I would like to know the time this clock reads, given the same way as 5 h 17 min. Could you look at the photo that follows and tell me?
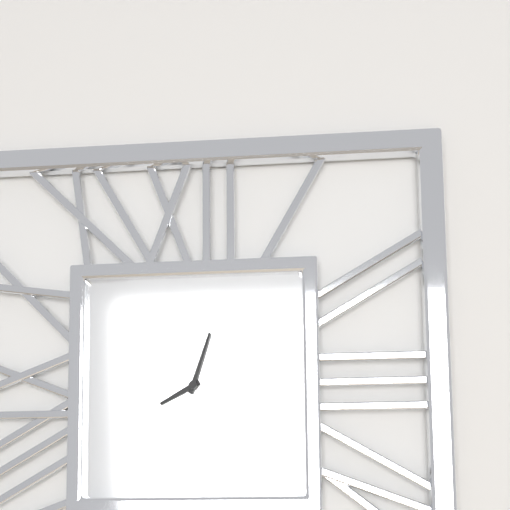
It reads 8 h 03 min
